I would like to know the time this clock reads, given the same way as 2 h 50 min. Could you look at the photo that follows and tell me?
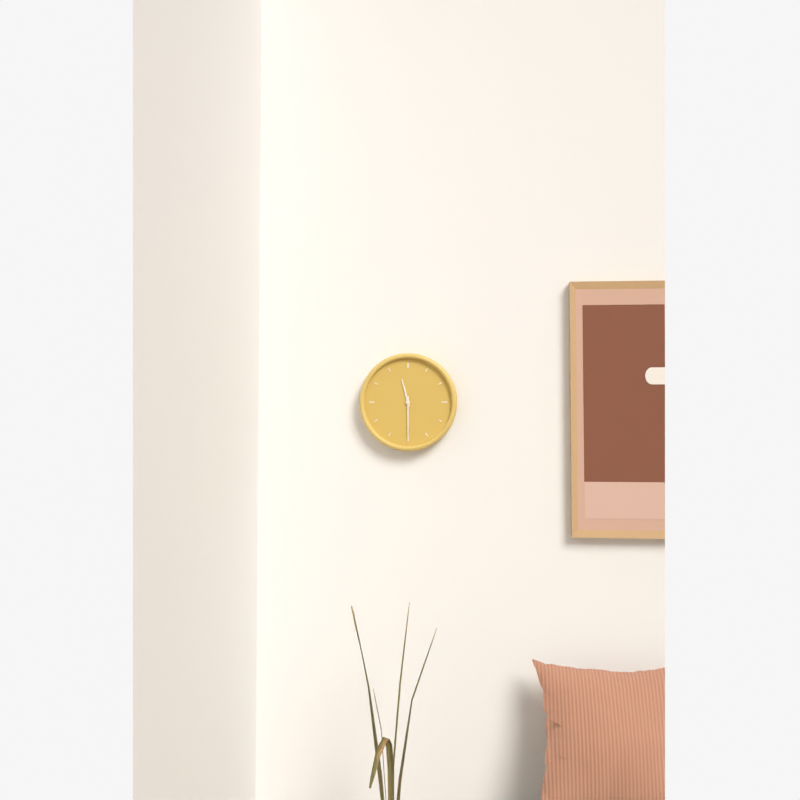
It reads 11 h 30 min
